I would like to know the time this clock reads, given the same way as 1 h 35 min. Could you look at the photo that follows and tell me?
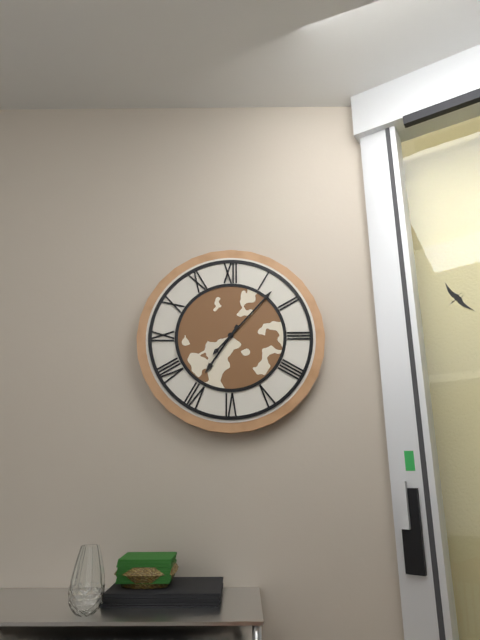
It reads 7 h 07 min
